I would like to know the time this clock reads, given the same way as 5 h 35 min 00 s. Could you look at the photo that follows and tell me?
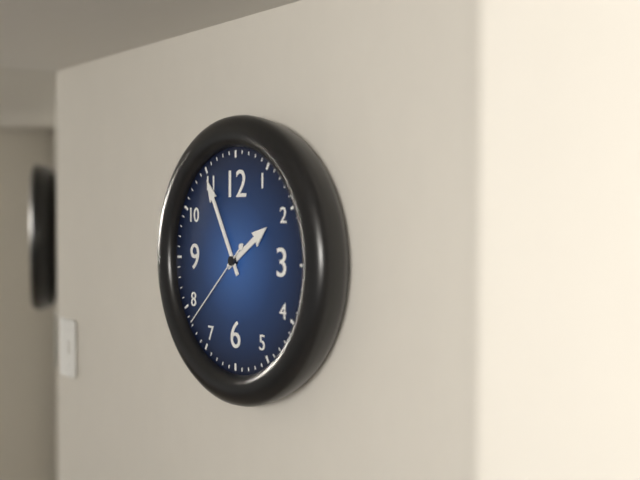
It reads 1 h 55 min 38 s
